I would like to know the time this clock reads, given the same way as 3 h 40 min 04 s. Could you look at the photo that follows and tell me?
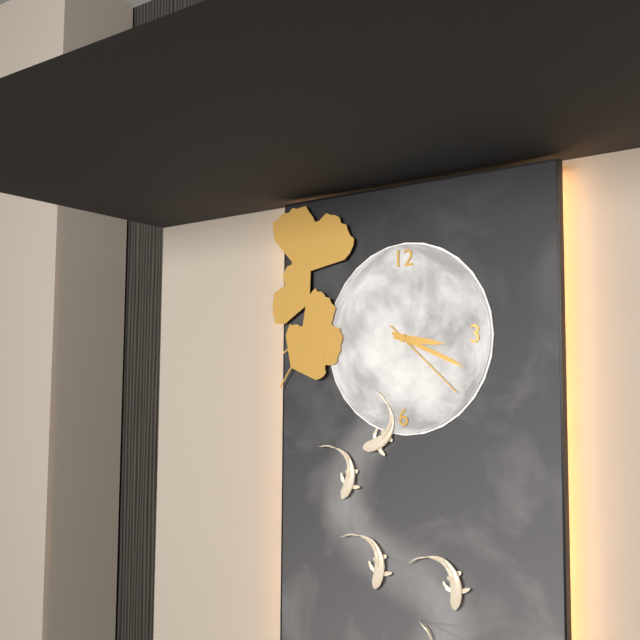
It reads 3 h 19 min 22 s
